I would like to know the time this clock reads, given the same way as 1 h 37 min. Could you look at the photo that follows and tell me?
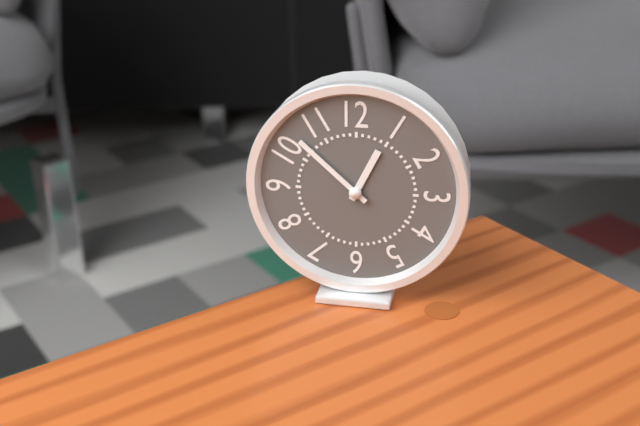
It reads 12 h 52 min
